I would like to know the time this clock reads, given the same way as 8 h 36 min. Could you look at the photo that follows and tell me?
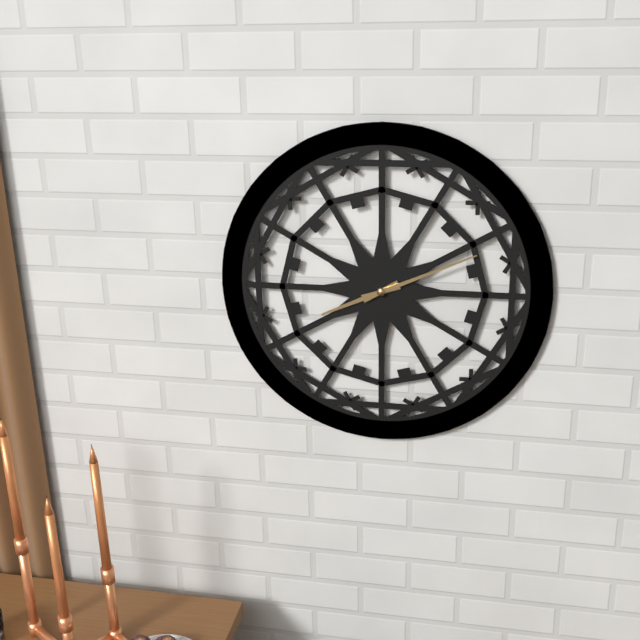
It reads 8 h 11 min
